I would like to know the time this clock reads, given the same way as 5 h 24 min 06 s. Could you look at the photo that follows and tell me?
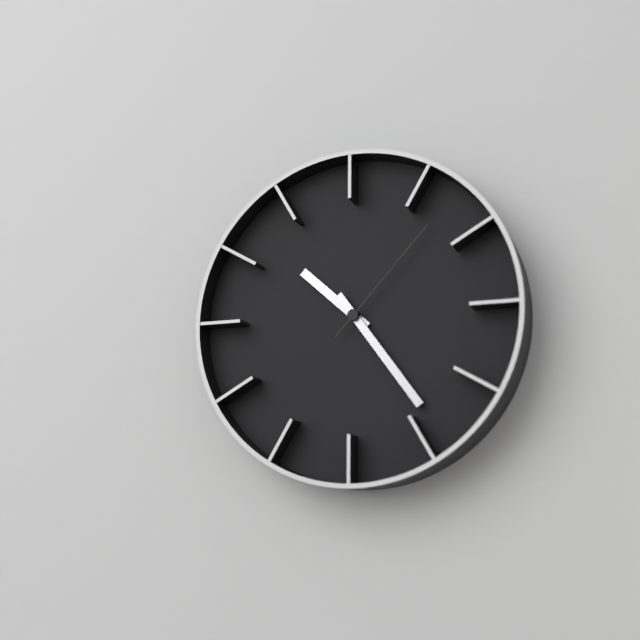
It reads 10 h 24 min 07 s
